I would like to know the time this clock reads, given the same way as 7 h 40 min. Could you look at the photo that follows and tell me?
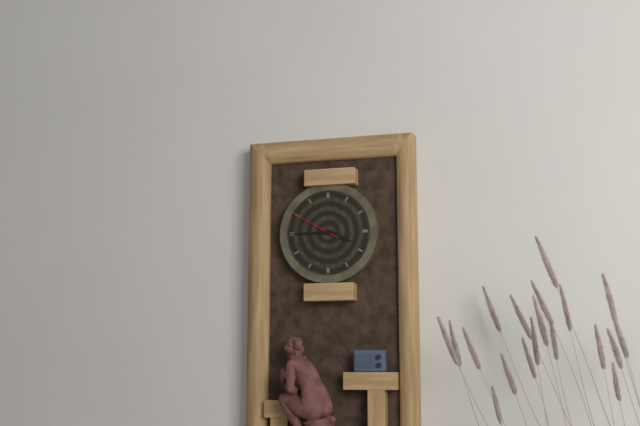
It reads 3 h 45 min
